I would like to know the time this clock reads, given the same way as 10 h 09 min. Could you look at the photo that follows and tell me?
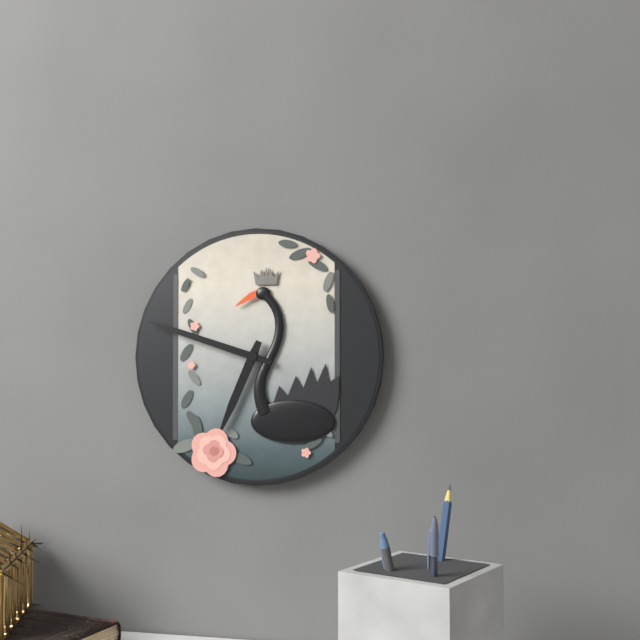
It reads 6 h 48 min
